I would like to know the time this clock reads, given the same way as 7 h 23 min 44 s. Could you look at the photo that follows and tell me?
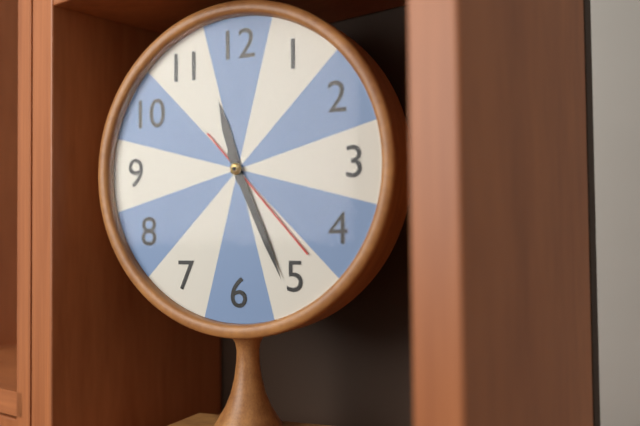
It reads 11 h 26 min 23 s
